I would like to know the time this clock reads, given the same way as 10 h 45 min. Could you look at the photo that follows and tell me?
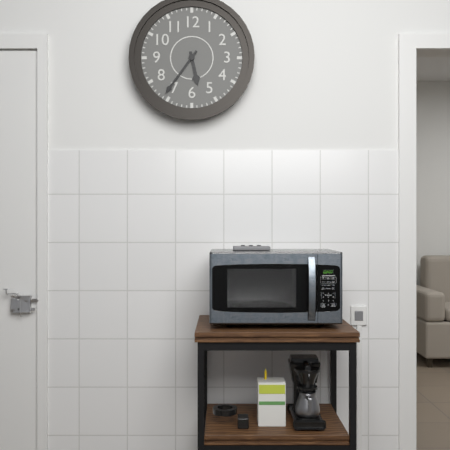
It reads 5 h 36 min
